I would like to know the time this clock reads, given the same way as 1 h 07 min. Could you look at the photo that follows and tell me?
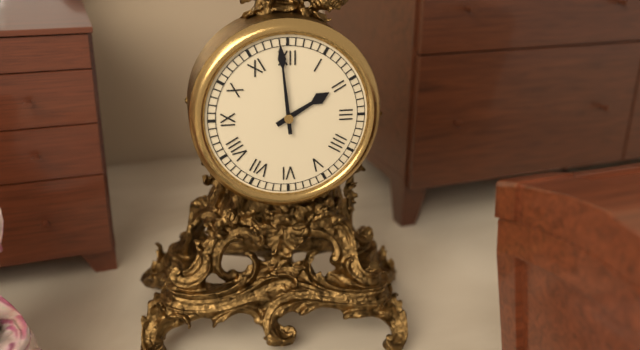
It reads 1 h 59 min
